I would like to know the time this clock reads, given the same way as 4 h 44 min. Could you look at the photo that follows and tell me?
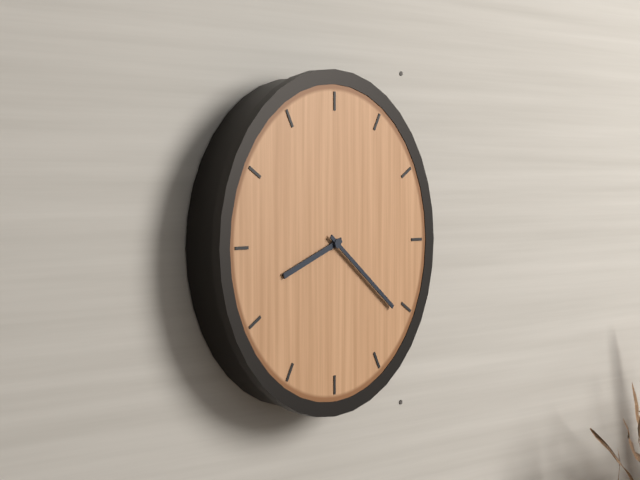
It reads 8 h 21 min
